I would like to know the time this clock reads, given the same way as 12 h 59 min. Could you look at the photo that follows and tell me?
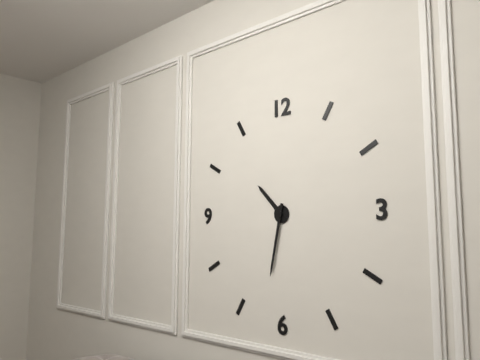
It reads 10 h 32 min
